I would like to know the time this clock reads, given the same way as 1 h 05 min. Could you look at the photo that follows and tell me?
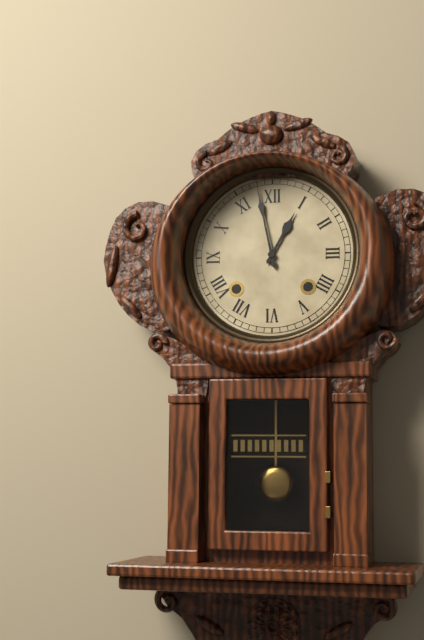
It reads 12 h 58 min
